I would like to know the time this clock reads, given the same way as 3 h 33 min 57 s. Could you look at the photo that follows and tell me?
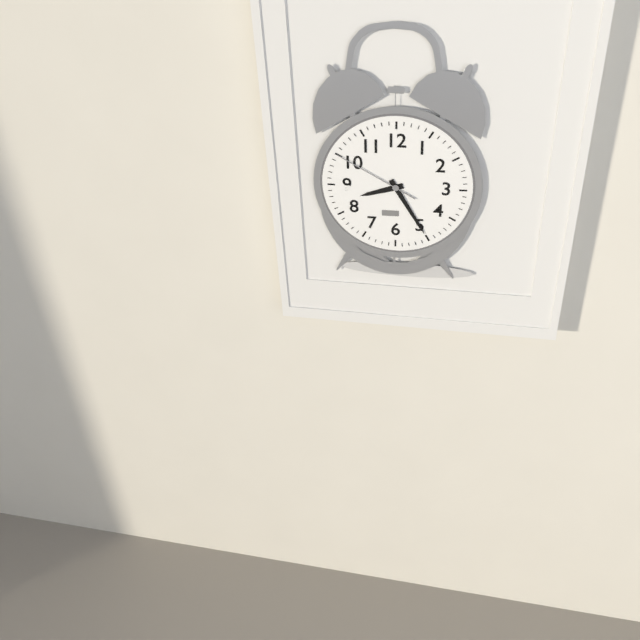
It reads 8 h 25 min 50 s
